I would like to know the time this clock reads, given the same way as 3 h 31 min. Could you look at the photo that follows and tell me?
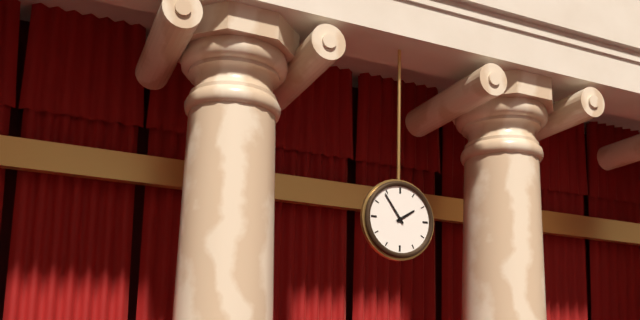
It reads 1 h 54 min
